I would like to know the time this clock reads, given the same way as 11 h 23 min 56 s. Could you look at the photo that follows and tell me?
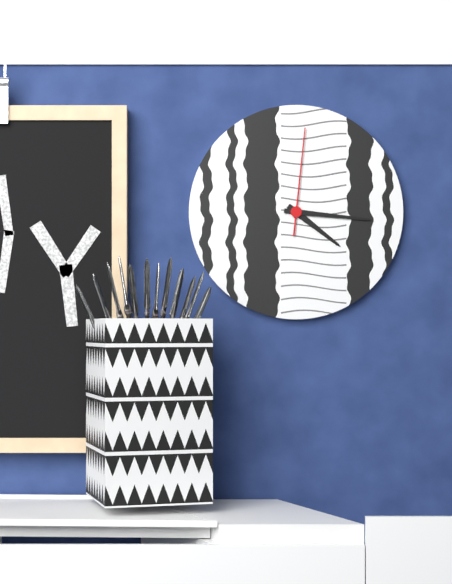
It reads 4 h 16 min 01 s
